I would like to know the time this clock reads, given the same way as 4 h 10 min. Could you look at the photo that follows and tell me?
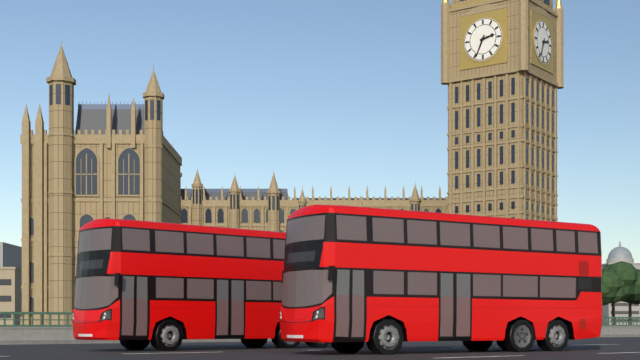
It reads 2 h 34 min
